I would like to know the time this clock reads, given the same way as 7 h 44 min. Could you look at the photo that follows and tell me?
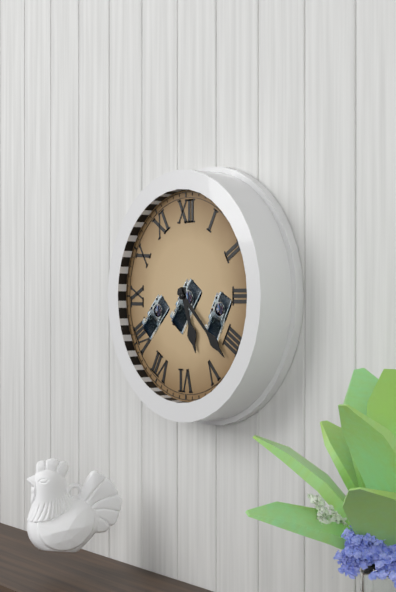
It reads 5 h 22 min
